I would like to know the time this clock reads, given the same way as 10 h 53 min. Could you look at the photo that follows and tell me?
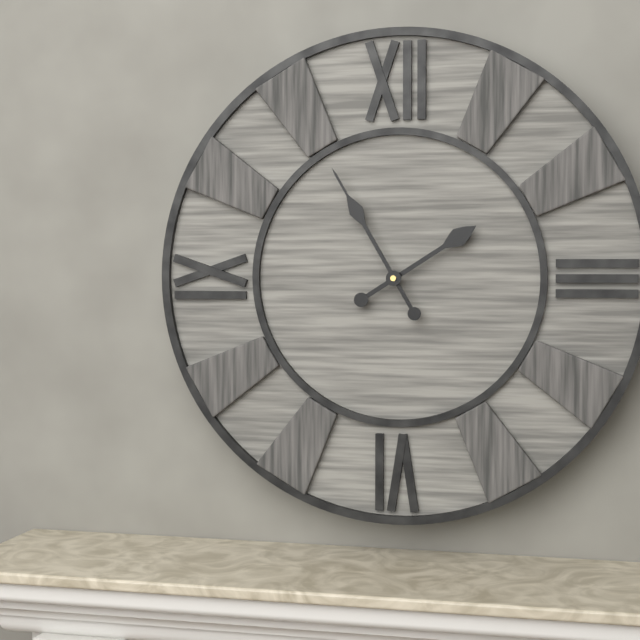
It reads 1 h 55 min
